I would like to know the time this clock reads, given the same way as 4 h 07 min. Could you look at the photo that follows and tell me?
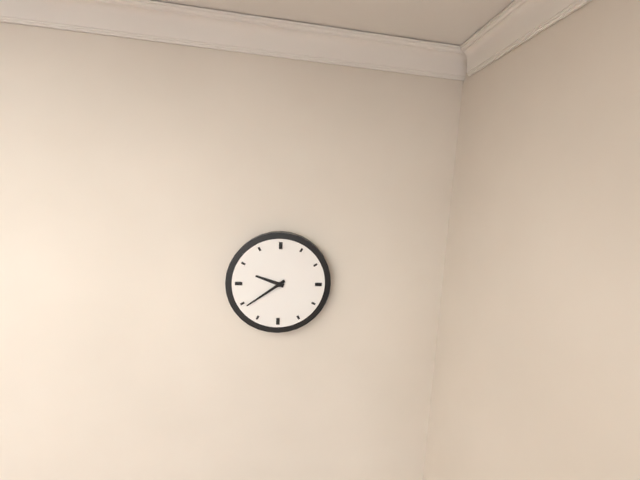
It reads 9 h 39 min
